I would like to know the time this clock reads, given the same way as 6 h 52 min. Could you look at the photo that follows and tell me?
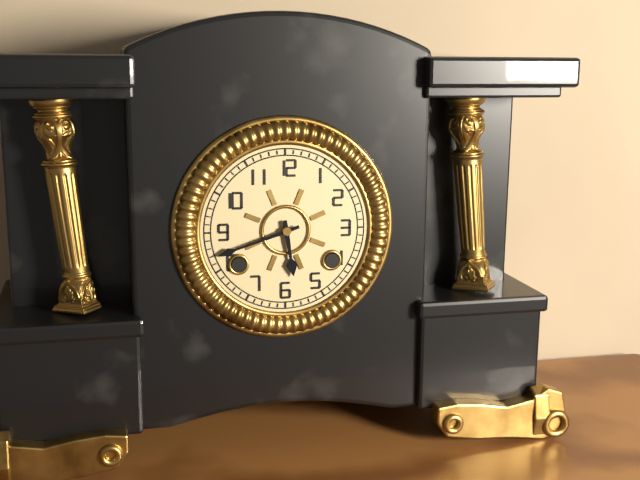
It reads 5 h 42 min
